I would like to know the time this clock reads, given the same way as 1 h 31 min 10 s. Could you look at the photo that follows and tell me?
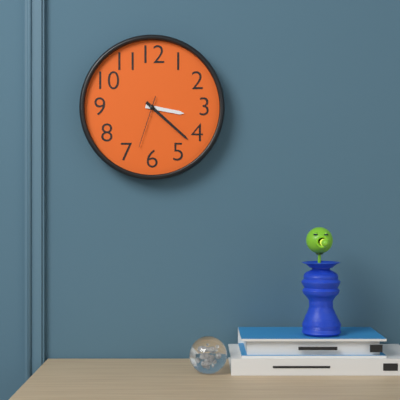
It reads 3 h 22 min 33 s
